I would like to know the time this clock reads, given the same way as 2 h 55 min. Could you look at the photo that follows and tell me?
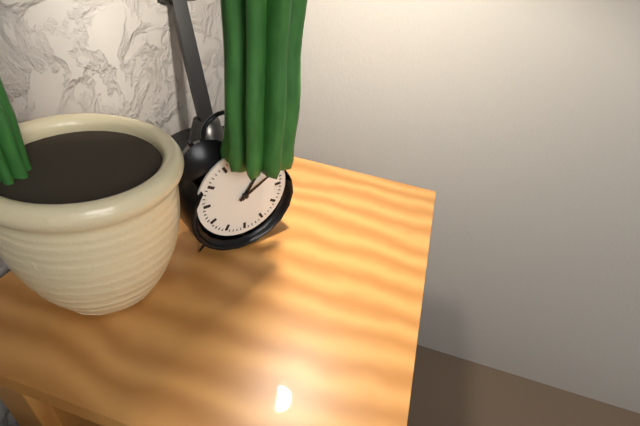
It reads 1 h 10 min
